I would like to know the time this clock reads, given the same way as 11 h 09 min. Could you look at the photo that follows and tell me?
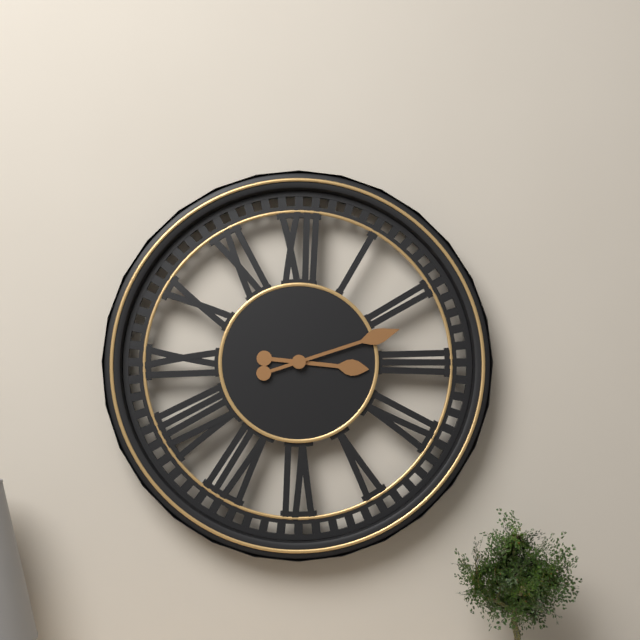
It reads 3 h 12 min
